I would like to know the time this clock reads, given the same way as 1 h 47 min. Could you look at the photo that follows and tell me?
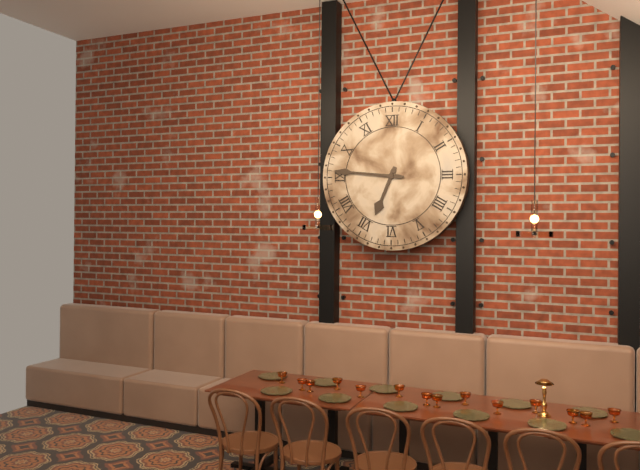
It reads 6 h 46 min
